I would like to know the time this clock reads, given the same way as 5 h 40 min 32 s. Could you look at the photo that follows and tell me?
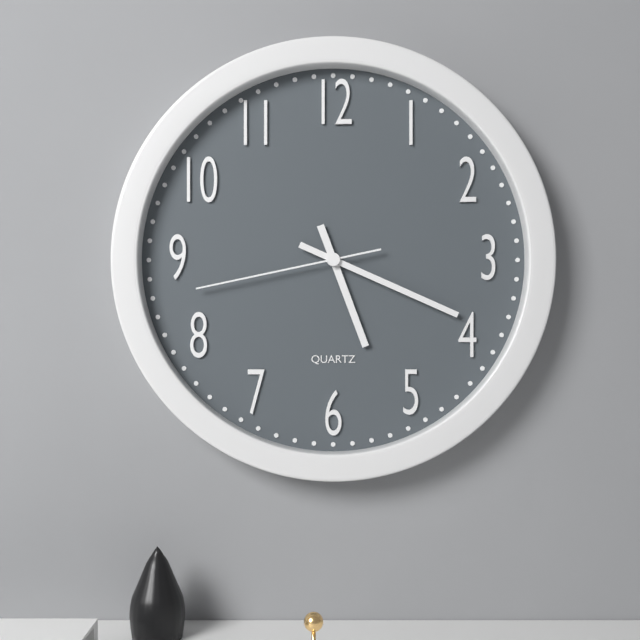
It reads 5 h 19 min 43 s
